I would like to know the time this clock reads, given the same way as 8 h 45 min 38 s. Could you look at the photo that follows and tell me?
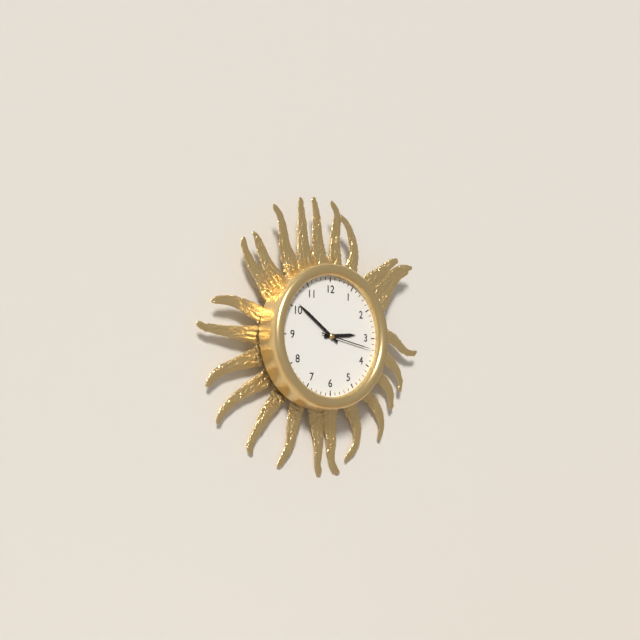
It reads 2 h 51 min 17 s
